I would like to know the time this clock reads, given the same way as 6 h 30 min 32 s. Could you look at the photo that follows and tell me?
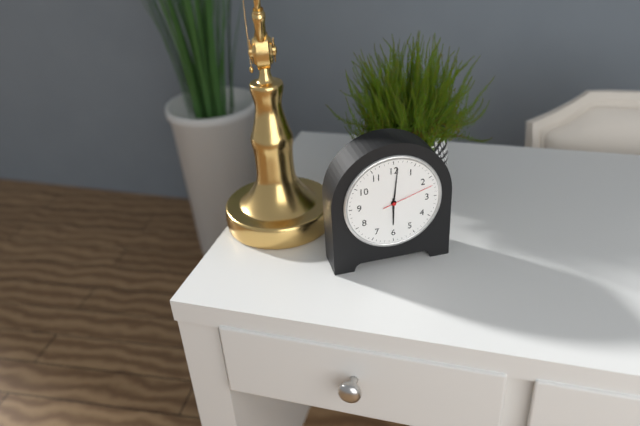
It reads 6 h 01 min 12 s
